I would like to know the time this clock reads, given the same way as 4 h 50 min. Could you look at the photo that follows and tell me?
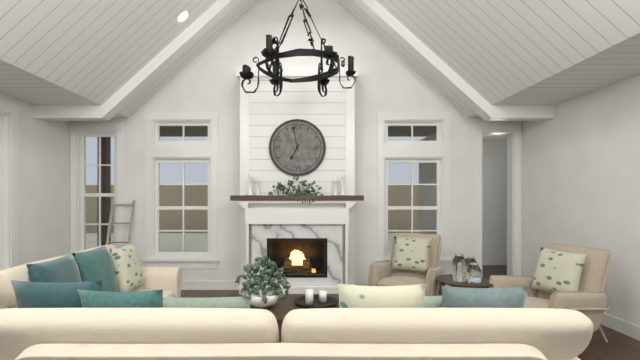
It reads 6 h 58 min
